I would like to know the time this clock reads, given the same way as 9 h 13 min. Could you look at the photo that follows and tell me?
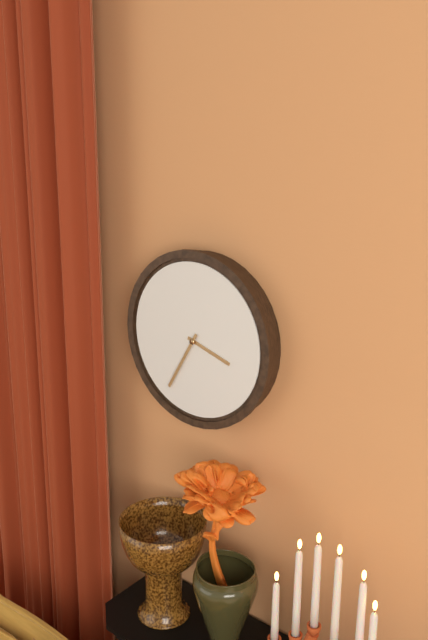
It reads 3 h 35 min
